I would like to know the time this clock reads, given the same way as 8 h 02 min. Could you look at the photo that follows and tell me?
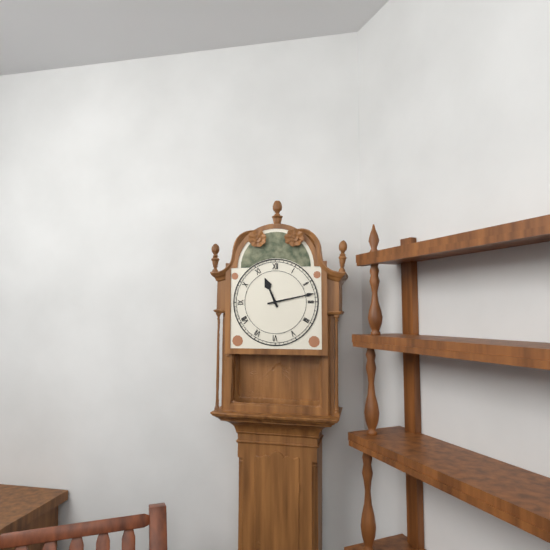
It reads 11 h 13 min
